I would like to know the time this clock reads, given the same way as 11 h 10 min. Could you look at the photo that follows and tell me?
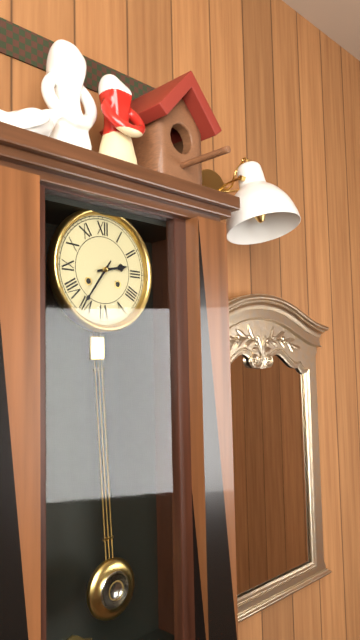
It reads 2 h 36 min
